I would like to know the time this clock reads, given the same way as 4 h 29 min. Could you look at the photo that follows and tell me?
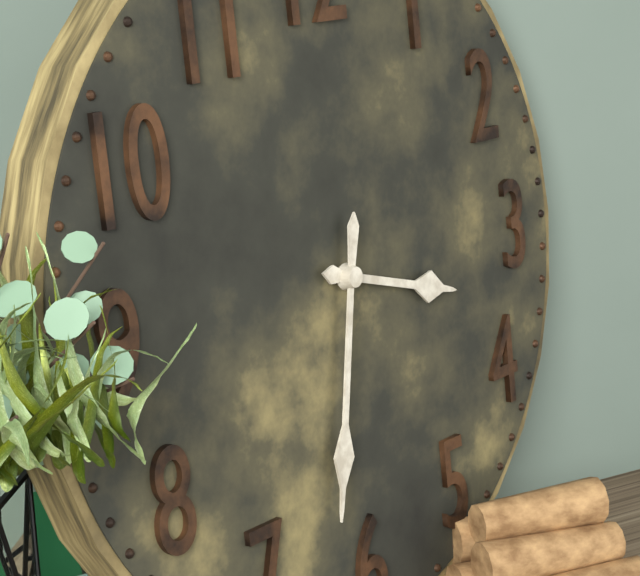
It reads 3 h 32 min
